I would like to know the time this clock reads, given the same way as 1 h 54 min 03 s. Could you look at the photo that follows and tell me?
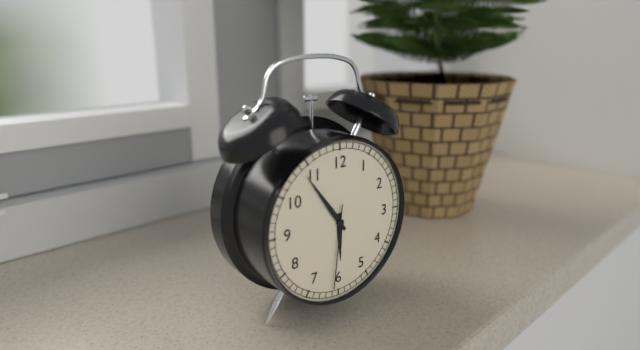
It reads 5 h 54 min 31 s
